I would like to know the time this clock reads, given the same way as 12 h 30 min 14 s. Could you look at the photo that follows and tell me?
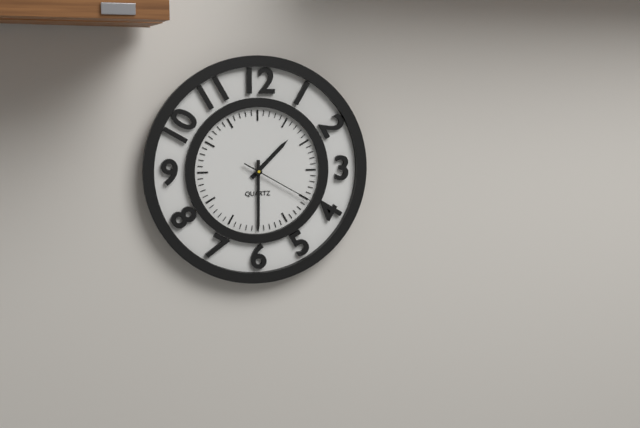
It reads 1 h 30 min 20 s
